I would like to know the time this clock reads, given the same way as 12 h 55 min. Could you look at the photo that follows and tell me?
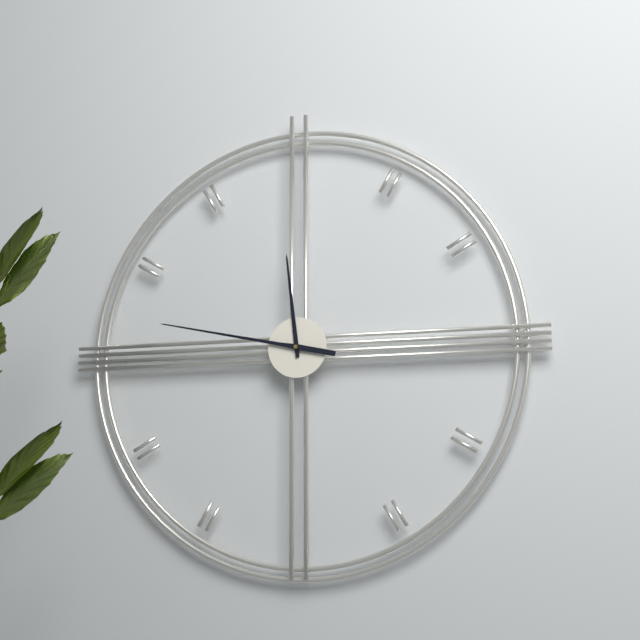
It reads 11 h 47 min
